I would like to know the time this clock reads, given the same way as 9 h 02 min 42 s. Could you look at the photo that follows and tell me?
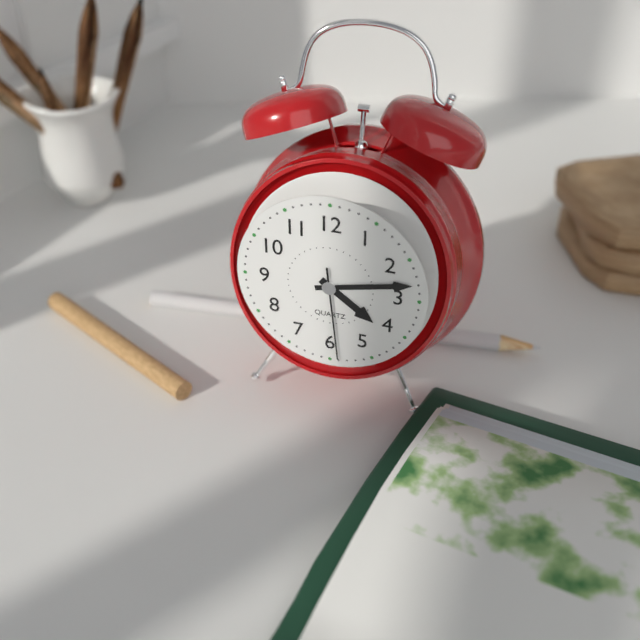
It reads 4 h 13 min 29 s
